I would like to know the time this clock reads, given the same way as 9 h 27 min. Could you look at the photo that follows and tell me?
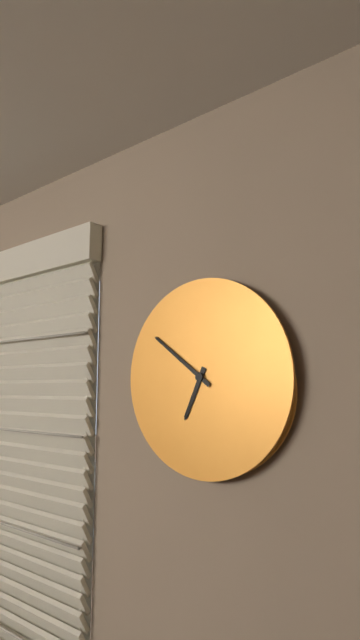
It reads 6 h 51 min
